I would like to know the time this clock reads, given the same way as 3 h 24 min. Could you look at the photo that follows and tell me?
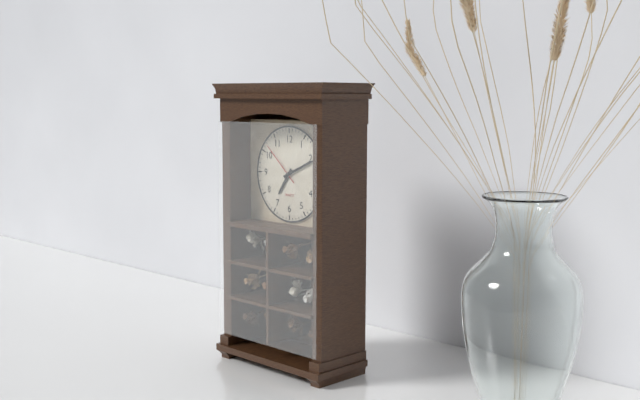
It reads 7 h 11 min
